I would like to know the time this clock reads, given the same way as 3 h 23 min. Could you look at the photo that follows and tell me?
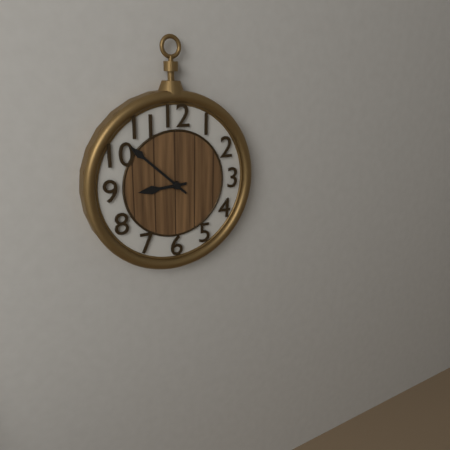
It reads 8 h 52 min
